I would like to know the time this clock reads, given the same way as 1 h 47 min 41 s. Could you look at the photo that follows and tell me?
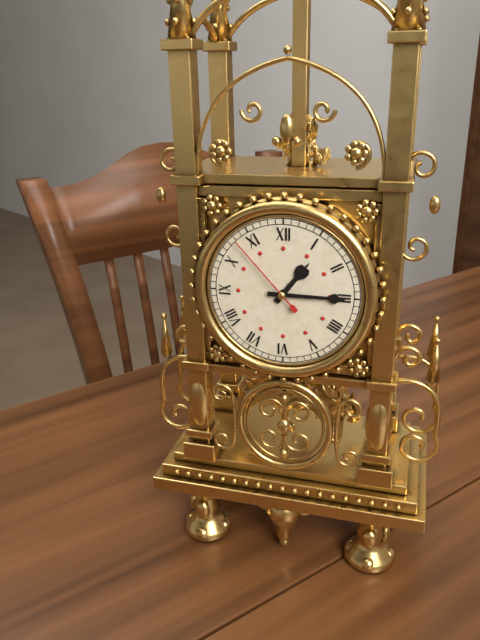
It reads 1 h 15 min 53 s
